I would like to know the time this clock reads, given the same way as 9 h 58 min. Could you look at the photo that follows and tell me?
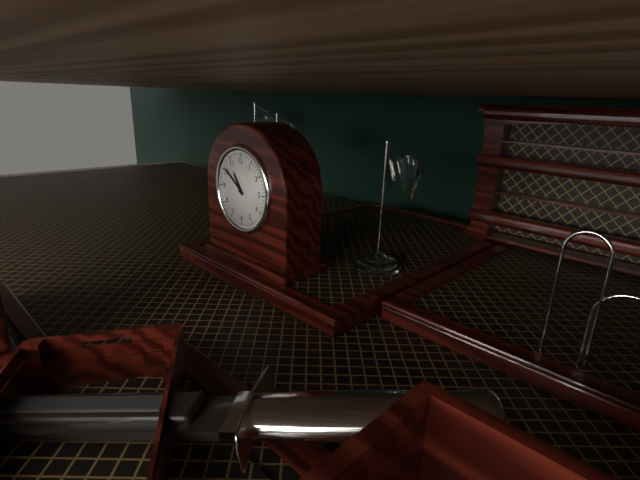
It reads 10 h 51 min
